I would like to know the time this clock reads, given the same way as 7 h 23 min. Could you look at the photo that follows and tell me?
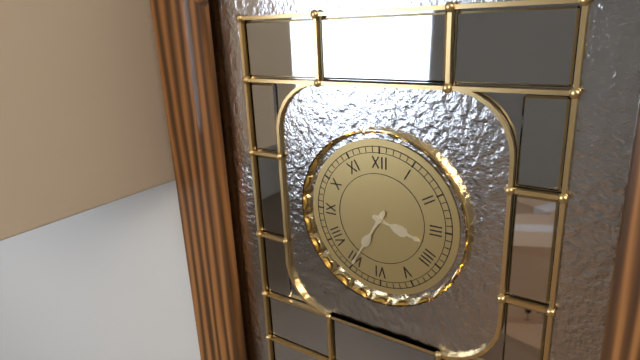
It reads 3 h 35 min
